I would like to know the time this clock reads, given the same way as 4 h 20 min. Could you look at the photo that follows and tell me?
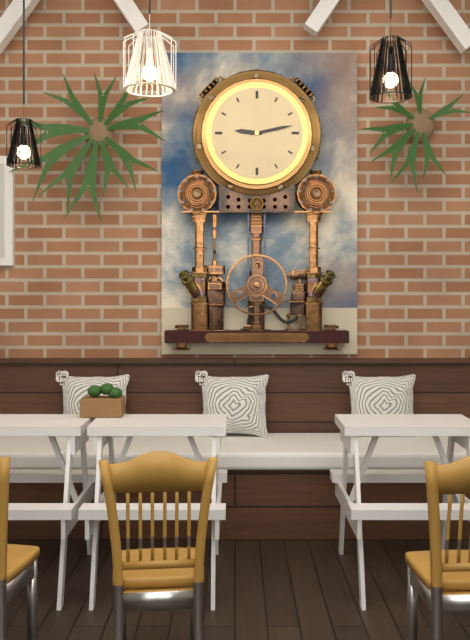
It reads 9 h 13 min
